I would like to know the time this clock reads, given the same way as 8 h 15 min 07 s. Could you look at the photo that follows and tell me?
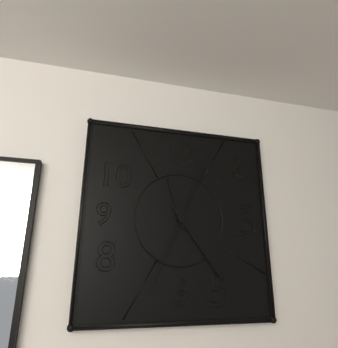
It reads 11 h 24 min 34 s
